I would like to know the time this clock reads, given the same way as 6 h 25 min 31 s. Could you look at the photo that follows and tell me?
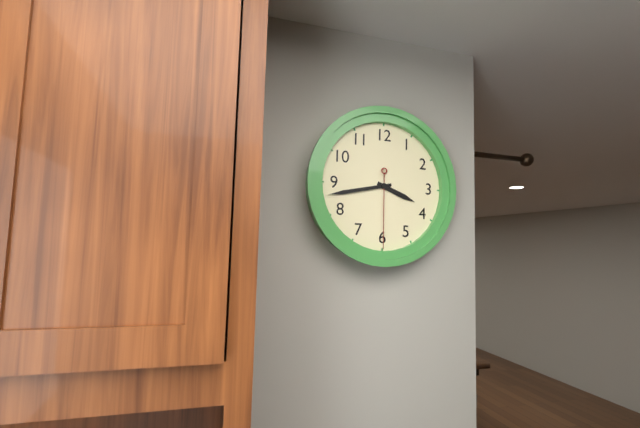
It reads 3 h 43 min 30 s
